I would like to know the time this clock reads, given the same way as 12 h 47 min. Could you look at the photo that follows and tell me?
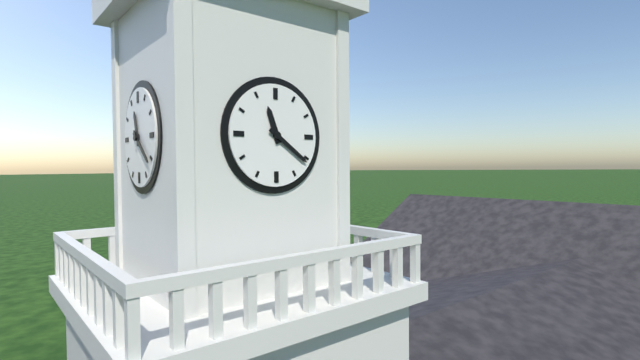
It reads 11 h 21 min
